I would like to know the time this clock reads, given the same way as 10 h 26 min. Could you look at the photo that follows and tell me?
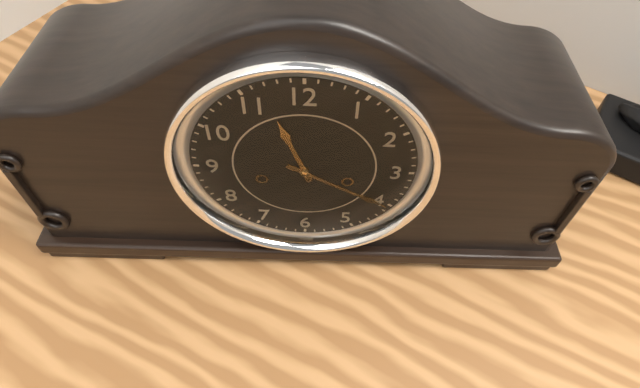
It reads 11 h 20 min
